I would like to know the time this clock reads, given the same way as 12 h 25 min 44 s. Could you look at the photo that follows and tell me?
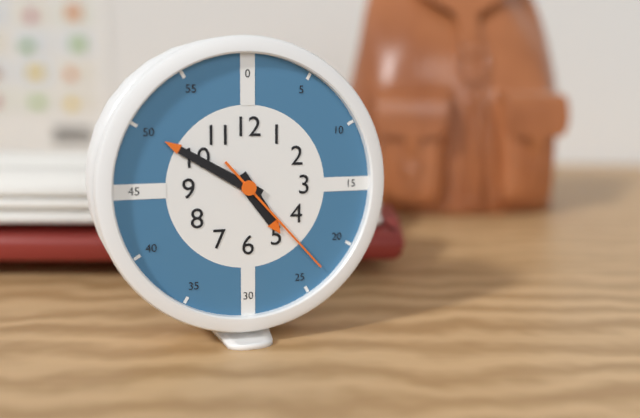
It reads 4 h 50 min 23 s
